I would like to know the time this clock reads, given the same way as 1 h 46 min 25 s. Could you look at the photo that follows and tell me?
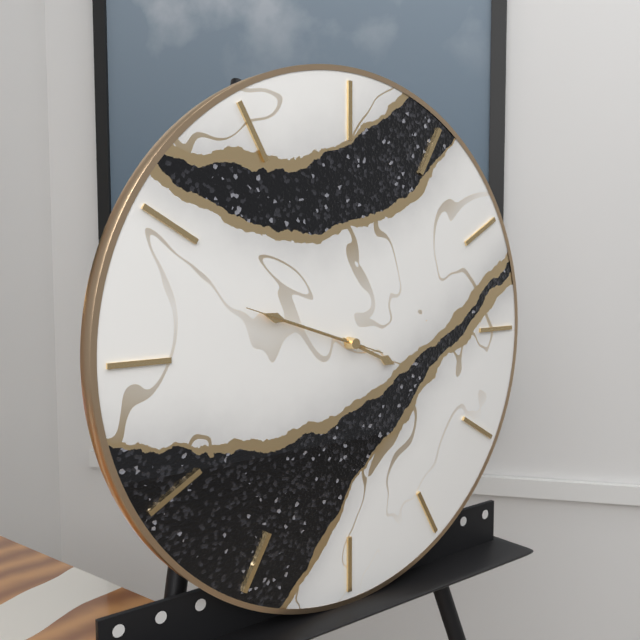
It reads 3 h 48 min 48 s
